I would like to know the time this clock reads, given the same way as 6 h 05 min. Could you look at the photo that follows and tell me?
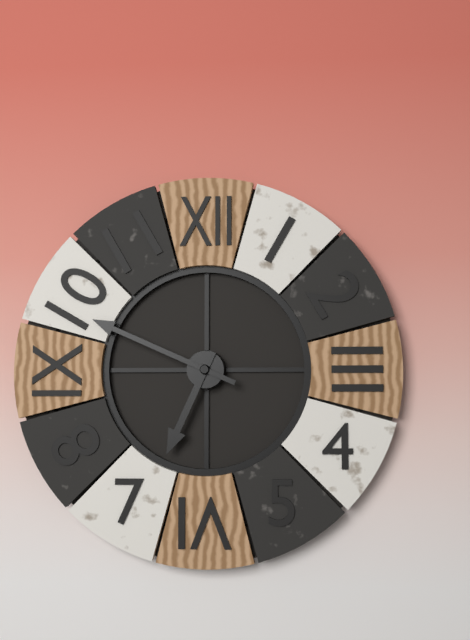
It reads 6 h 49 min
